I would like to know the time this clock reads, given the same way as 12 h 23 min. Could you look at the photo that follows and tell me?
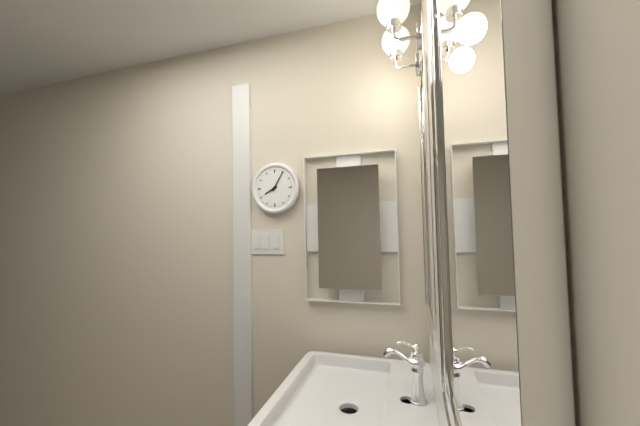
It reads 8 h 05 min
